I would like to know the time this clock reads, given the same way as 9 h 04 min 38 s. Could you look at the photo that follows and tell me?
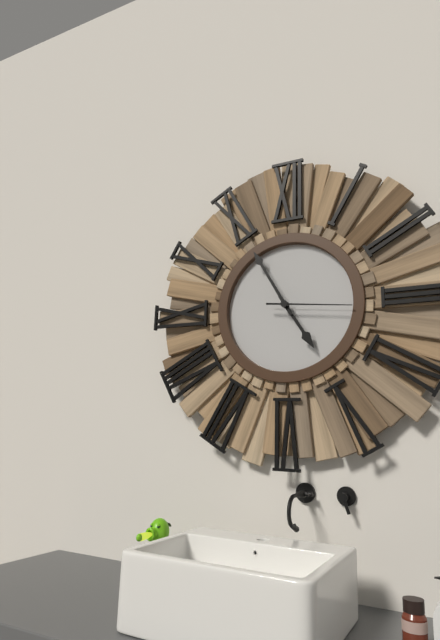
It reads 4 h 55 min 16 s
